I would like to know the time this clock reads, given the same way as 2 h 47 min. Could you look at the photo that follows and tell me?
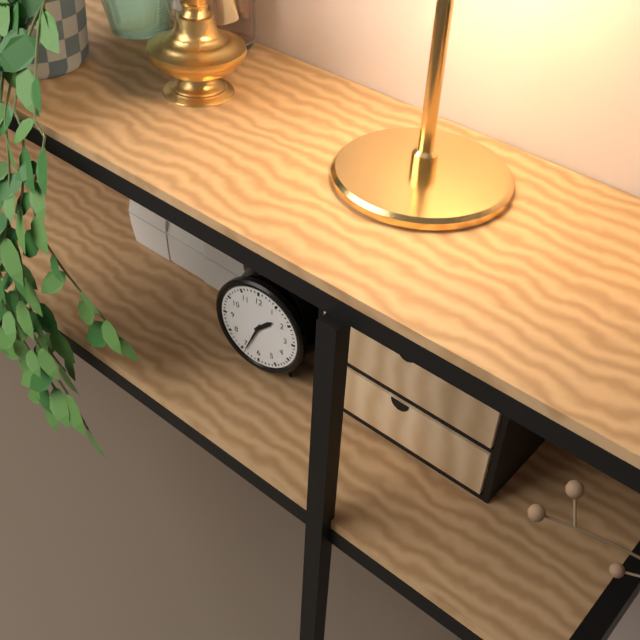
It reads 1 h 34 min
